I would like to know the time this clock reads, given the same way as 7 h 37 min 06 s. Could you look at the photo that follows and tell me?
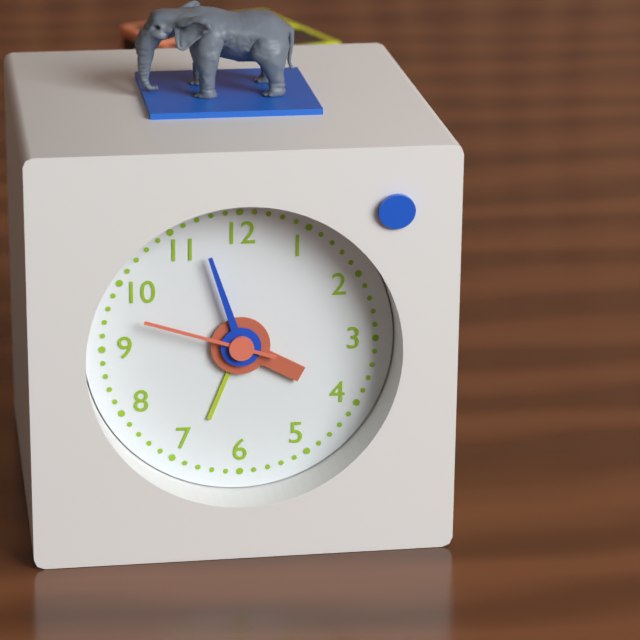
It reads 3 h 57 min 48 s
